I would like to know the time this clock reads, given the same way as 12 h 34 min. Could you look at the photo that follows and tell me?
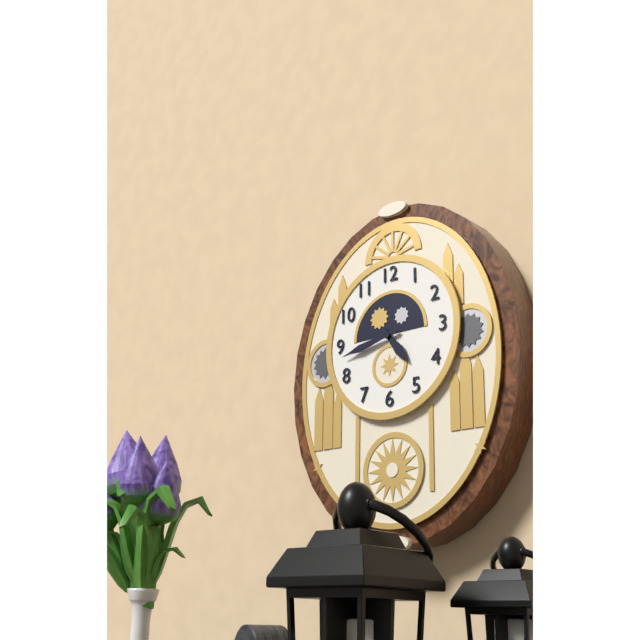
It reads 4 h 43 min
